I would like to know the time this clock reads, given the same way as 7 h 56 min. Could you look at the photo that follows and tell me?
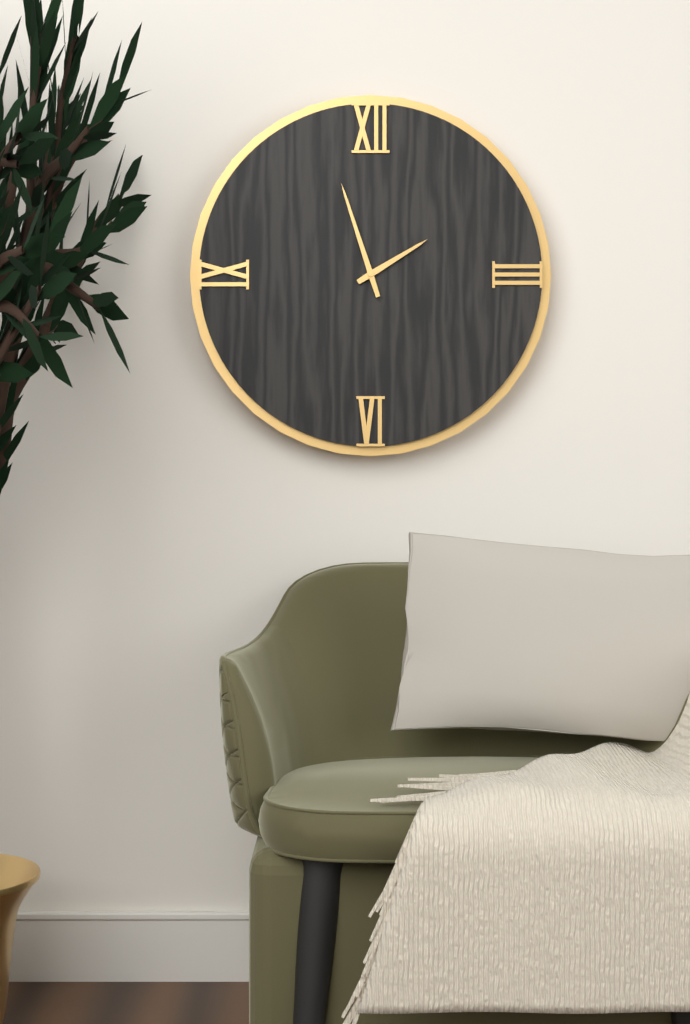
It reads 1 h 57 min
